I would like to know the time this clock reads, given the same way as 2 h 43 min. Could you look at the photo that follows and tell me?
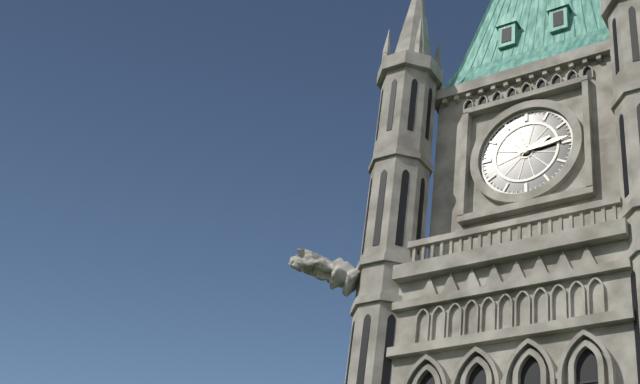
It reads 2 h 14 min
